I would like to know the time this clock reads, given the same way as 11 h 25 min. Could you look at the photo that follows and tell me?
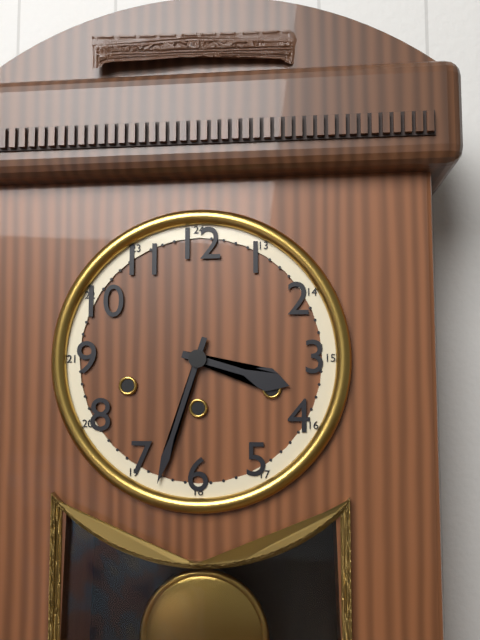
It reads 3 h 33 min
